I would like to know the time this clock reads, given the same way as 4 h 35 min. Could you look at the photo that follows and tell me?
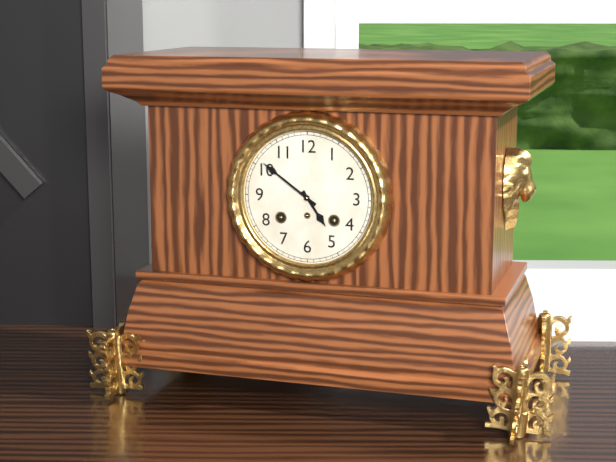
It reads 4 h 51 min
